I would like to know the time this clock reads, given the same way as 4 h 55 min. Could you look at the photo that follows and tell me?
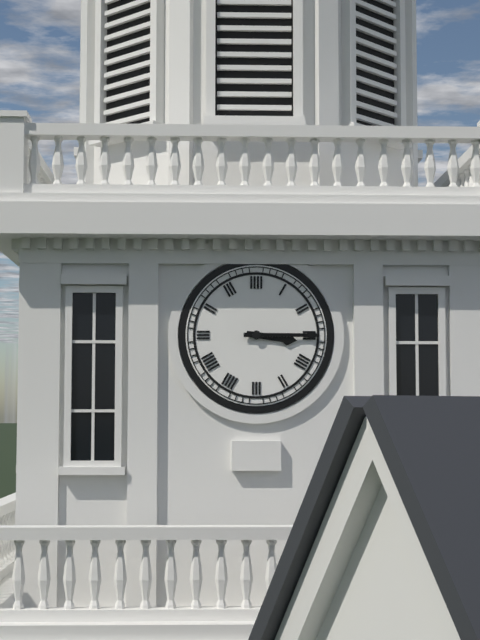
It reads 3 h 15 min
